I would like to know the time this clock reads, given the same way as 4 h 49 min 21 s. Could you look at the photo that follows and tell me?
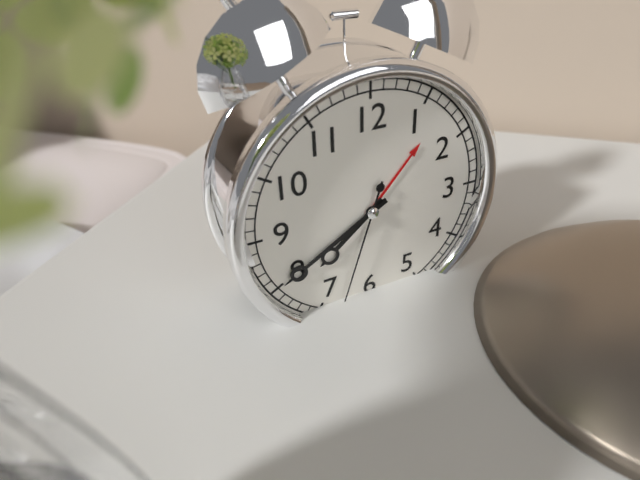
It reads 7 h 40 min 33 s
